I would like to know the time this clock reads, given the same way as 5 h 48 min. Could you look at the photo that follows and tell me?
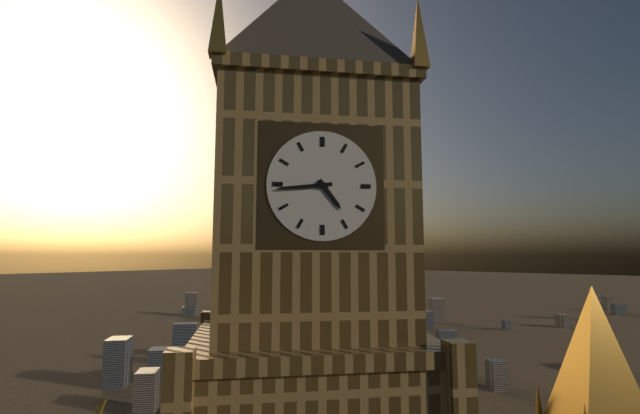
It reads 4 h 44 min
